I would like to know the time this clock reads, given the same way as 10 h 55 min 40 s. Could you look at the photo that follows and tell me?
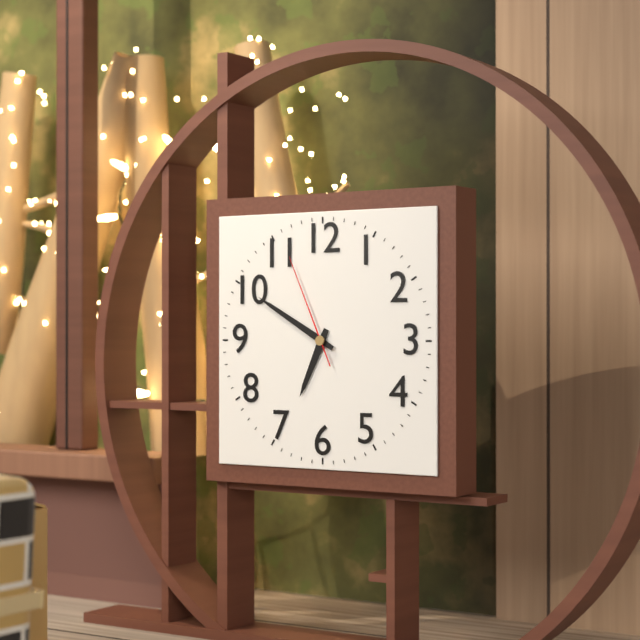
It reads 6 h 50 min 56 s
